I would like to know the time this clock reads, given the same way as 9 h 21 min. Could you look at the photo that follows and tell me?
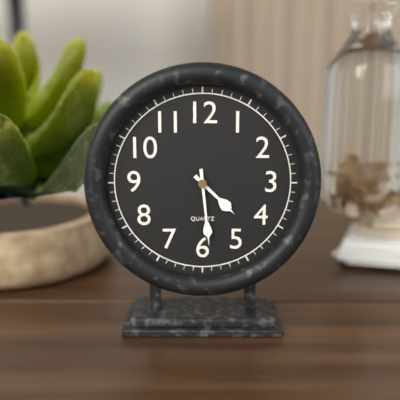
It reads 4 h 29 min
